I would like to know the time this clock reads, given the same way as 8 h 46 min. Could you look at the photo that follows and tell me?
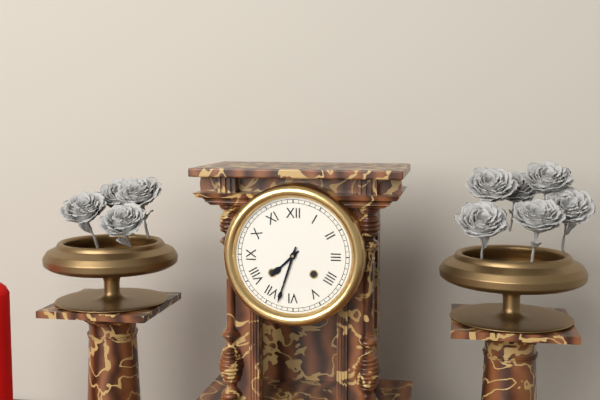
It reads 7 h 33 min
